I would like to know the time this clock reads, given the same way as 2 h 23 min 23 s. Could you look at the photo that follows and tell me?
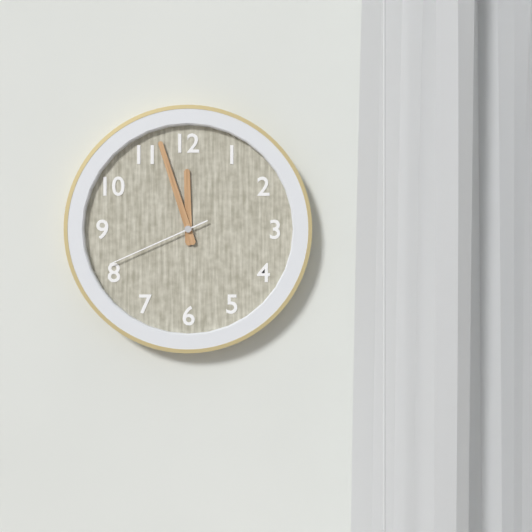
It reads 11 h 57 min 41 s
